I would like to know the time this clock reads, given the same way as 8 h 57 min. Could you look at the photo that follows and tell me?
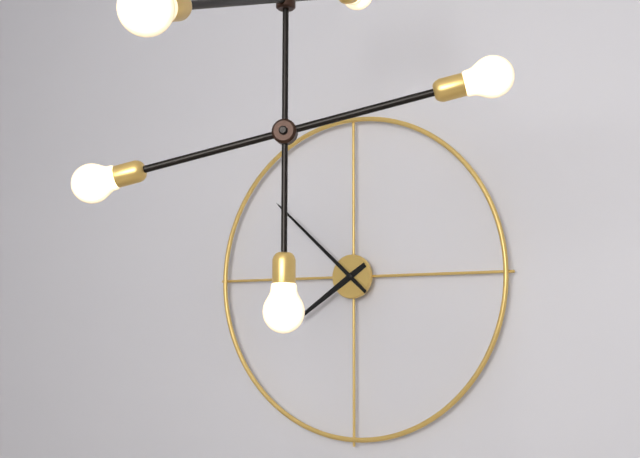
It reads 7 h 52 min
